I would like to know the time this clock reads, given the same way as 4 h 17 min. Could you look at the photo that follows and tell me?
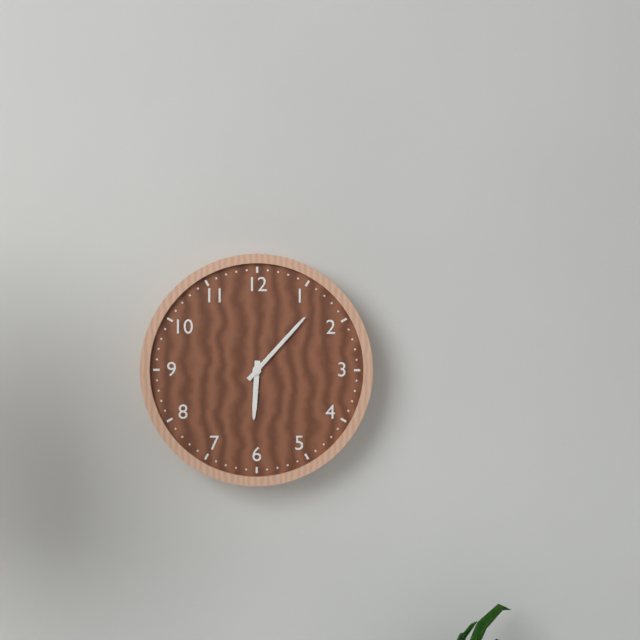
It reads 6 h 07 min
